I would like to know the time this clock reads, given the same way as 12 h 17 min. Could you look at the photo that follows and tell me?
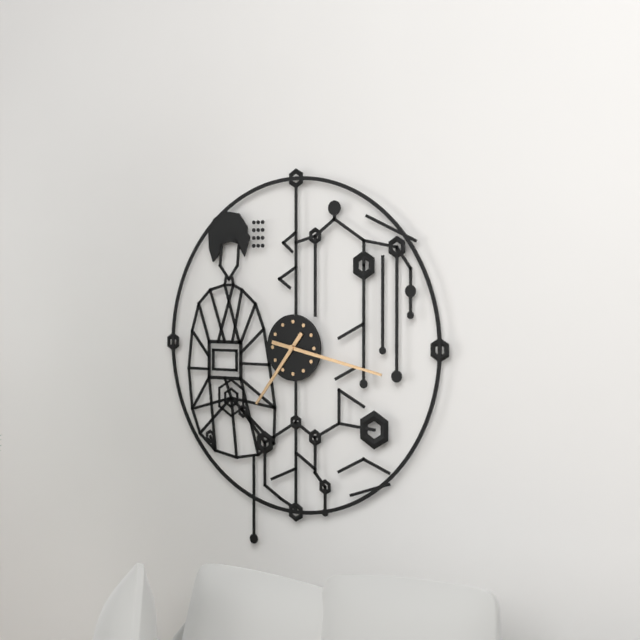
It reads 7 h 17 min
